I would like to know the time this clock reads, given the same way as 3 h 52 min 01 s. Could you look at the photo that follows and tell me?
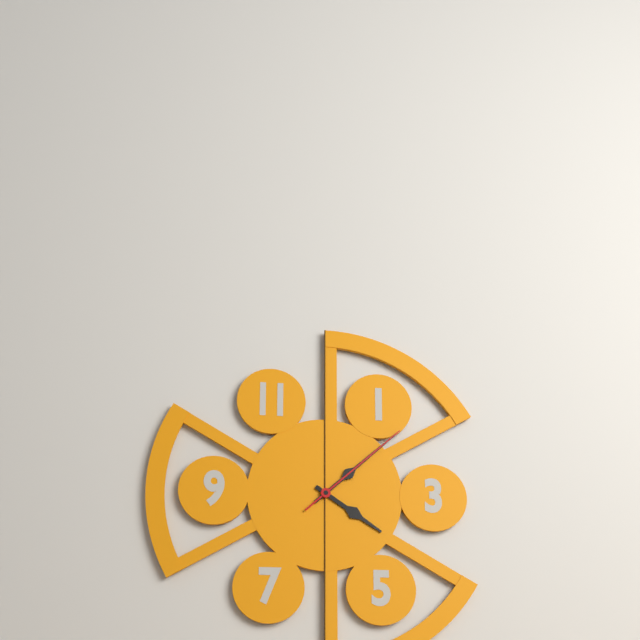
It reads 4 h 08 min 08 s
